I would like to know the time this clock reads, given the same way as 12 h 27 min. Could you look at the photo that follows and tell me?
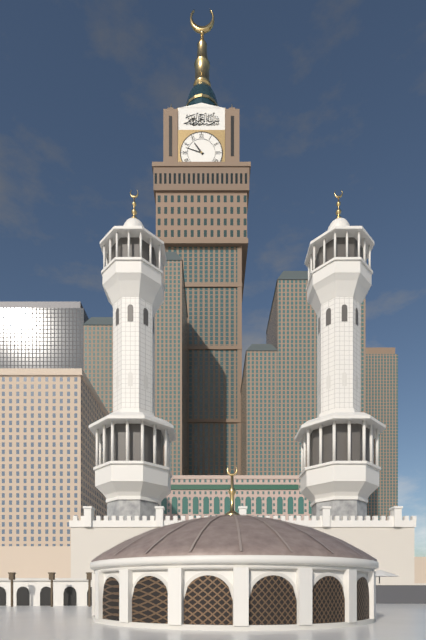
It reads 10 h 48 min
